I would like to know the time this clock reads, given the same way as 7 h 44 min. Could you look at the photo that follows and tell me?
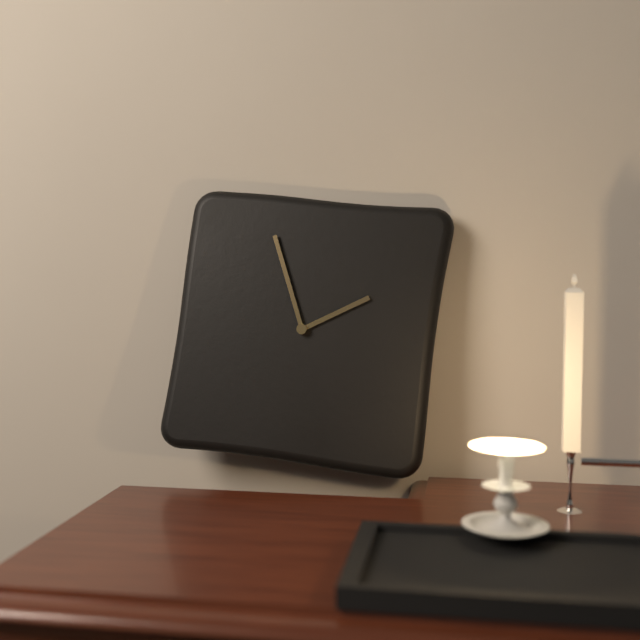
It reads 1 h 56 min
